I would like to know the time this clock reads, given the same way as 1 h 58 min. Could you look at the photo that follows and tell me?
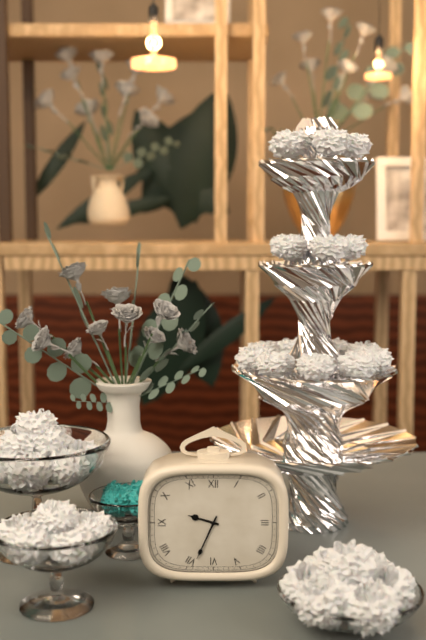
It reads 9 h 34 min
